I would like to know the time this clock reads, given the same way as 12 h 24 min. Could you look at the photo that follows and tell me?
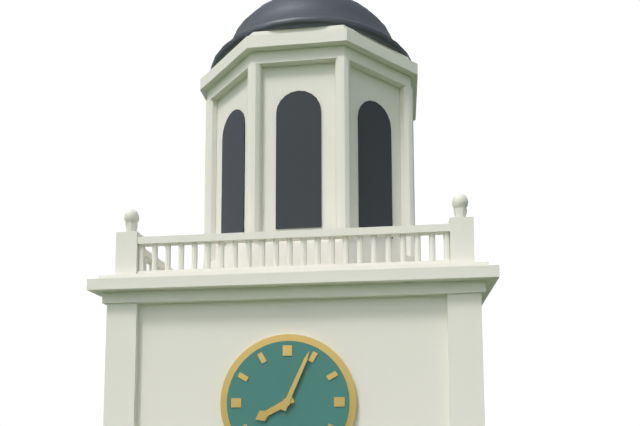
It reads 8 h 04 min
